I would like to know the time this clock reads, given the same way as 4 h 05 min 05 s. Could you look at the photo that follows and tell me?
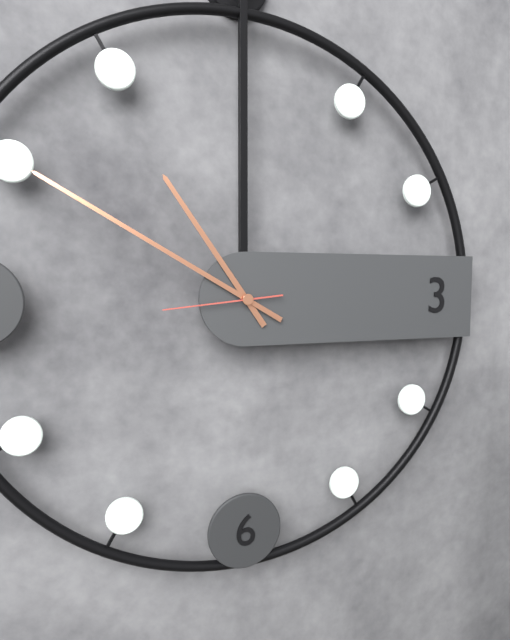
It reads 10 h 50 min 44 s
